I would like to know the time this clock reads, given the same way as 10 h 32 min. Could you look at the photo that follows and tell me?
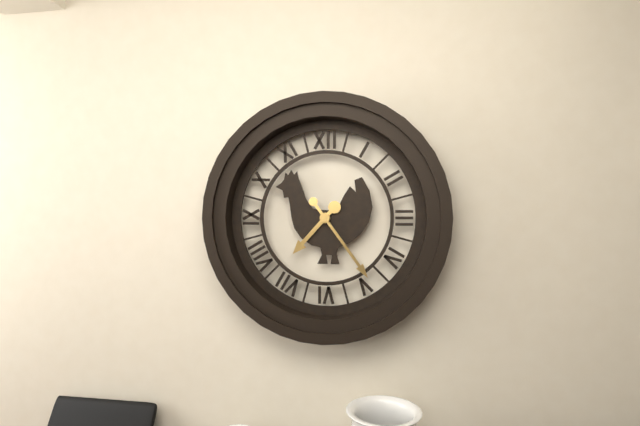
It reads 7 h 24 min
